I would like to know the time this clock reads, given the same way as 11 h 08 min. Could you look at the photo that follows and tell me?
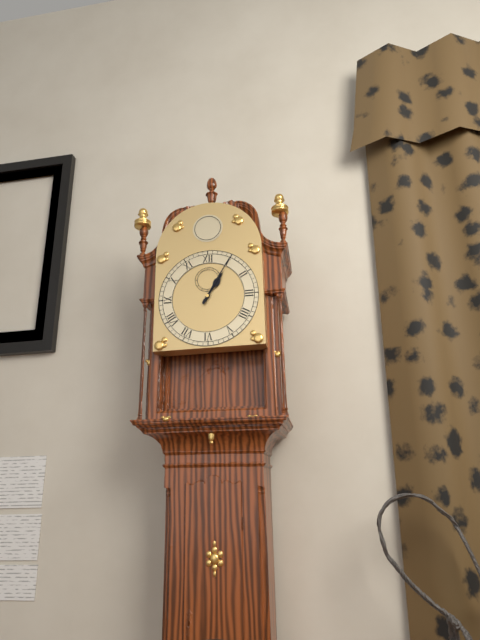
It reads 1 h 05 min
